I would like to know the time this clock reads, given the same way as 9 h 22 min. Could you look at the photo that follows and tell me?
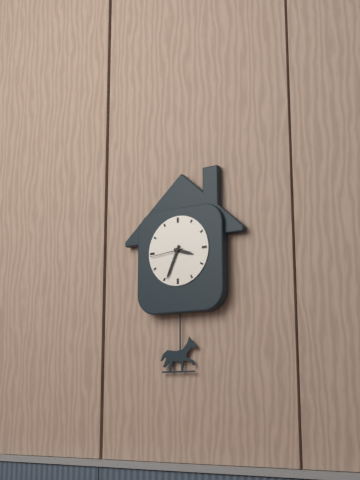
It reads 3 h 34 min
